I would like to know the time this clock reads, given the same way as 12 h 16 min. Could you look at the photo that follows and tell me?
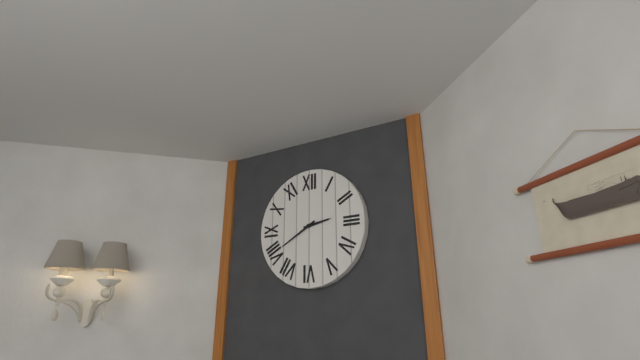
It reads 2 h 40 min
